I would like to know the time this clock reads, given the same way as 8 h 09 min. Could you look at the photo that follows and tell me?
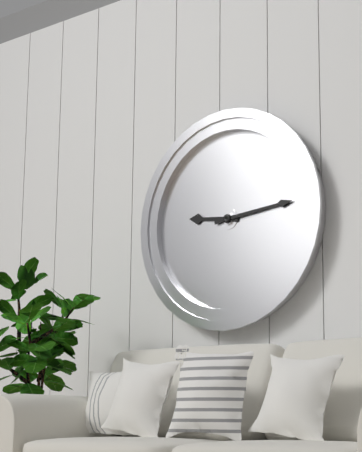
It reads 9 h 14 min
